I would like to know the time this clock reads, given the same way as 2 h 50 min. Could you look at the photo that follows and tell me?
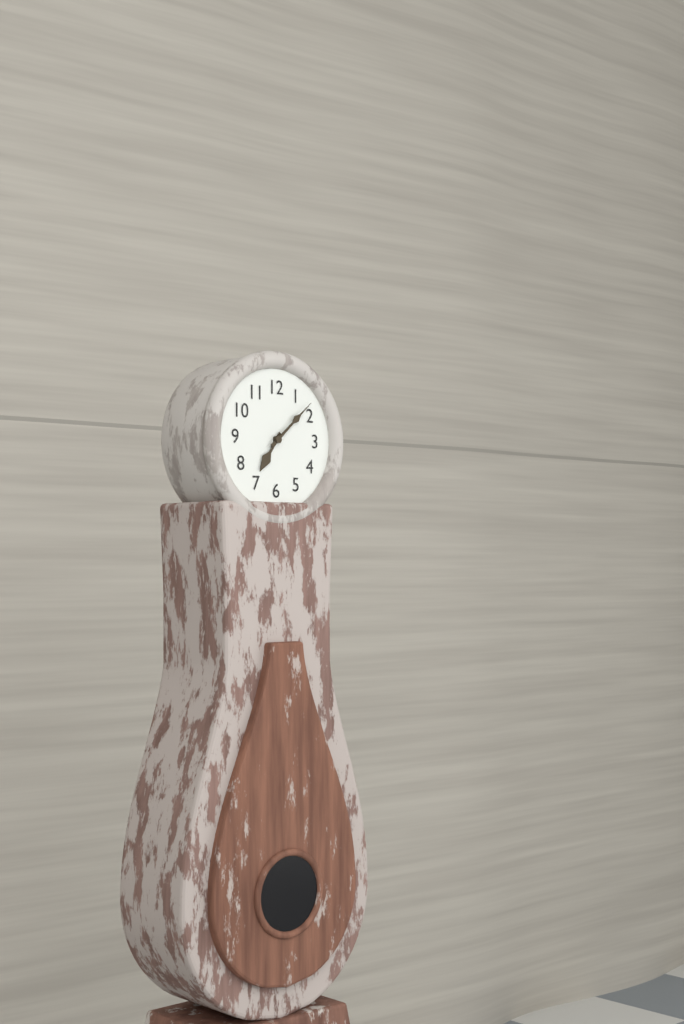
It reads 7 h 08 min
